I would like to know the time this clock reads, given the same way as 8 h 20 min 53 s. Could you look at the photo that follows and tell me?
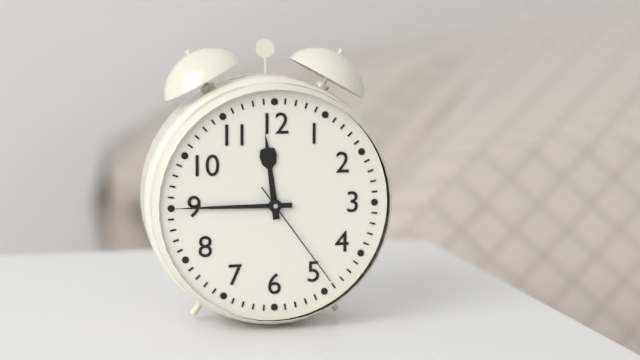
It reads 11 h 45 min 24 s
